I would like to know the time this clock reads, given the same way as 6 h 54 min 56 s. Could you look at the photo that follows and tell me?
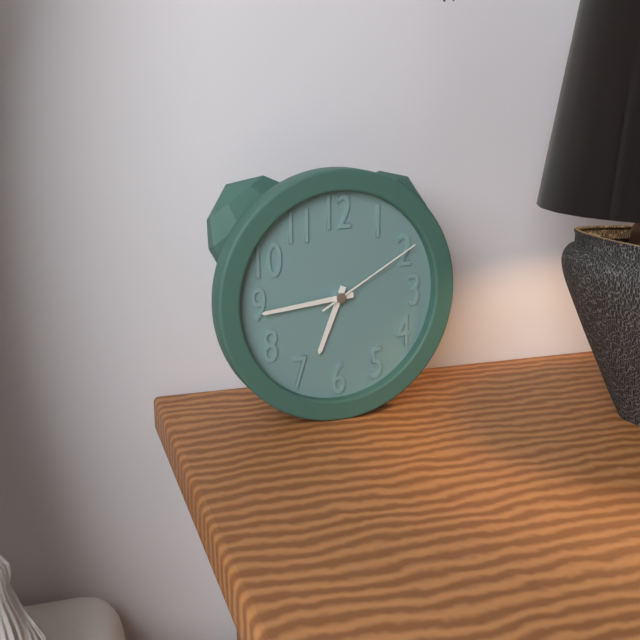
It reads 6 h 44 min 10 s
